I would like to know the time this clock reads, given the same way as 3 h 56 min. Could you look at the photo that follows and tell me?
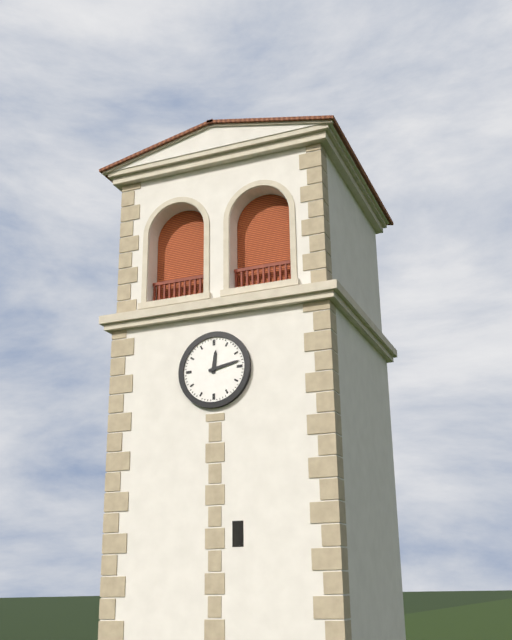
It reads 12 h 13 min
